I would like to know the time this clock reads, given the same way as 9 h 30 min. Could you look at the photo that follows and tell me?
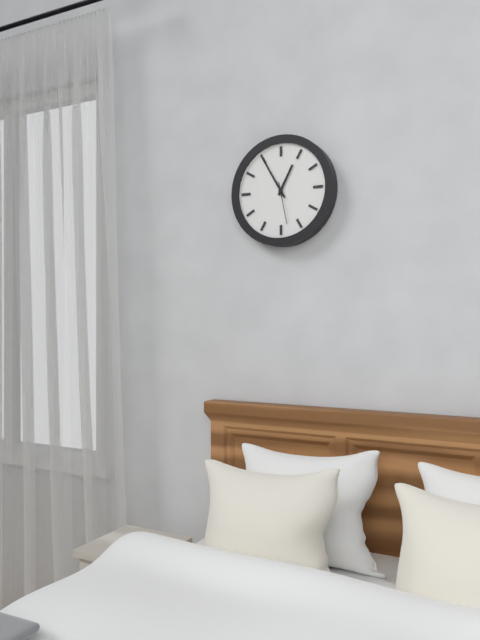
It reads 12 h 55 min
